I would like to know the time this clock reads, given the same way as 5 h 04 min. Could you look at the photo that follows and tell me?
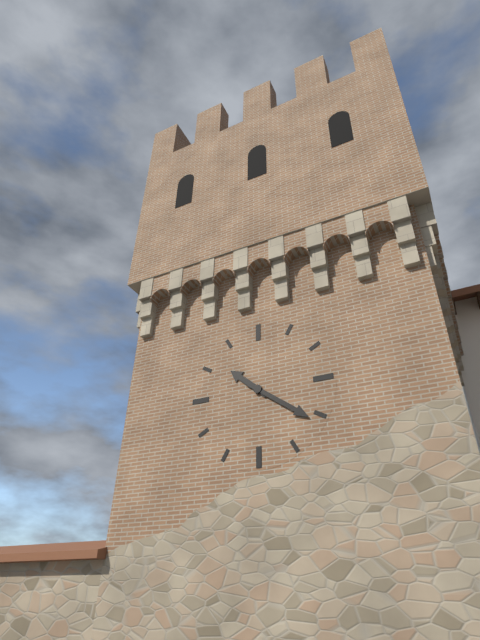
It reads 10 h 21 min
